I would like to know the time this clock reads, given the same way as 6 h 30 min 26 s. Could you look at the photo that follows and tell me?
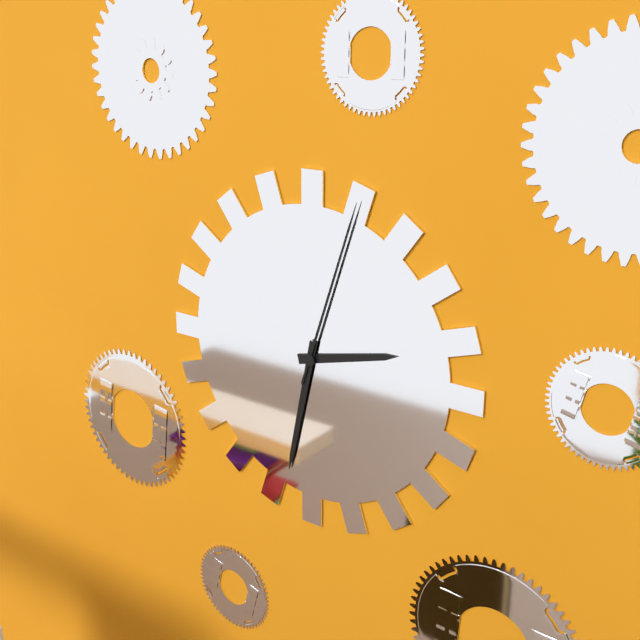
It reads 2 h 32 min 03 s
